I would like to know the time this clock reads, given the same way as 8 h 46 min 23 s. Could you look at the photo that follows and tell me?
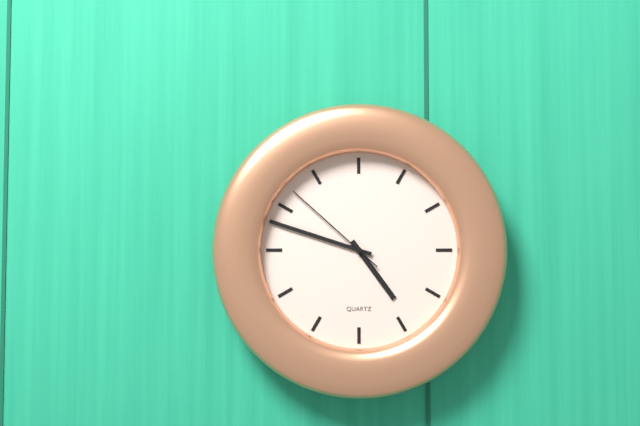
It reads 4 h 48 min 52 s
